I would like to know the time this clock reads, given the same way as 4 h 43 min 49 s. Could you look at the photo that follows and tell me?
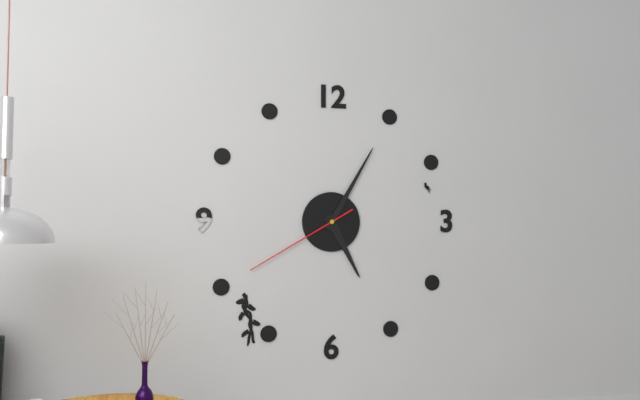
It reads 5 h 05 min 40 s
